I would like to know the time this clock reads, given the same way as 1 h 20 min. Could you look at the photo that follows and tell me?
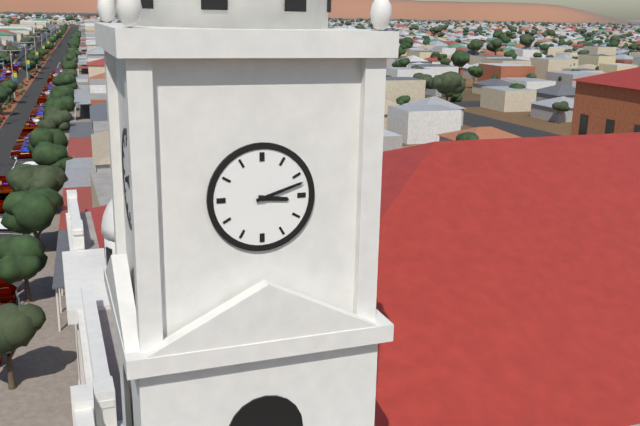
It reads 3 h 12 min
